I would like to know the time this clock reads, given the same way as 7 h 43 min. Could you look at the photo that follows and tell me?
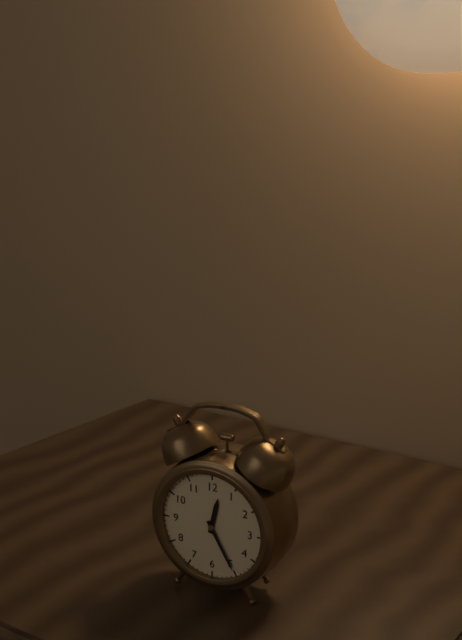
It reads 12 h 25 min
